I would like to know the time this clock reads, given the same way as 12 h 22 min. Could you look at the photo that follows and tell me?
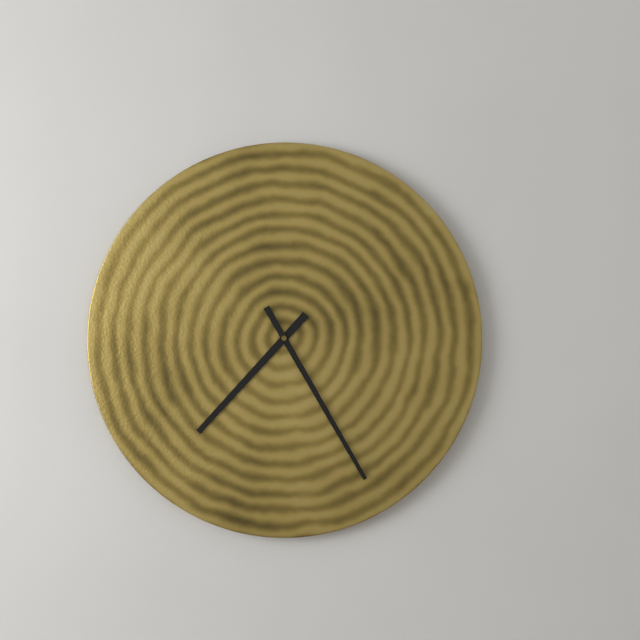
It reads 7 h 25 min
